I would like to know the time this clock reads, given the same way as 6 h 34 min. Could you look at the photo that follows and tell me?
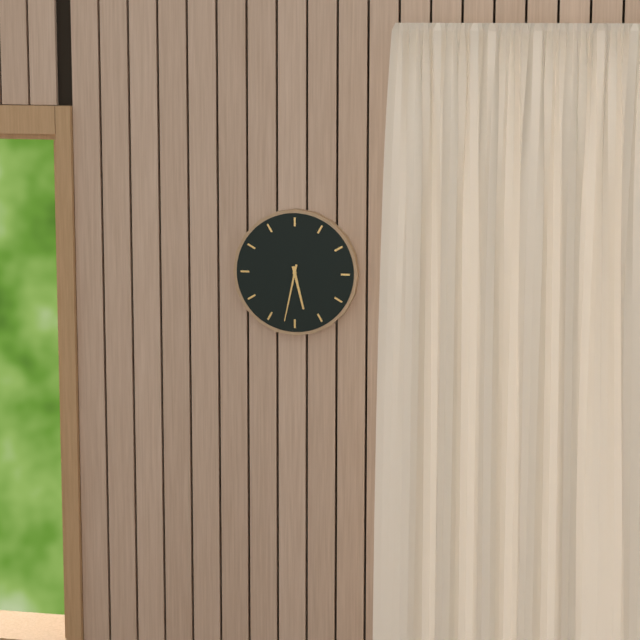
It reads 5 h 32 min
